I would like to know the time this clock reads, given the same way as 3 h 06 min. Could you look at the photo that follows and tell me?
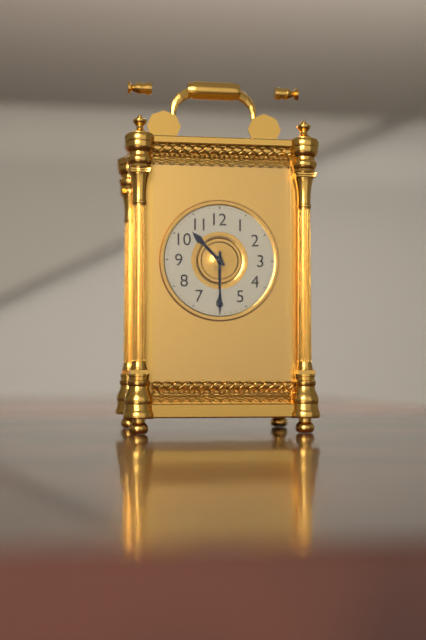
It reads 10 h 30 min
